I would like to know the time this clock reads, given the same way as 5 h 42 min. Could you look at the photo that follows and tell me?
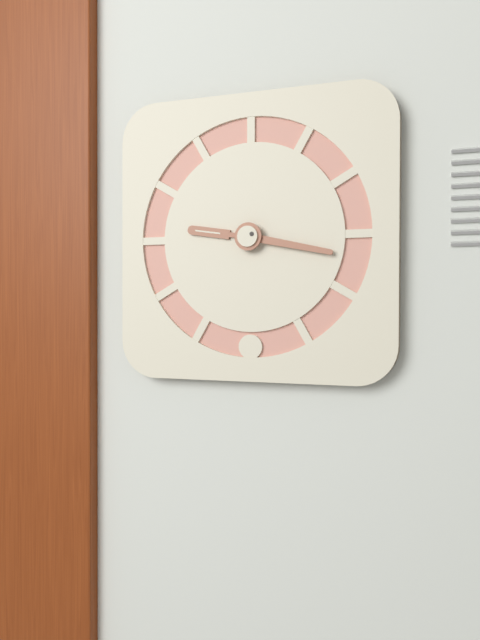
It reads 9 h 17 min
